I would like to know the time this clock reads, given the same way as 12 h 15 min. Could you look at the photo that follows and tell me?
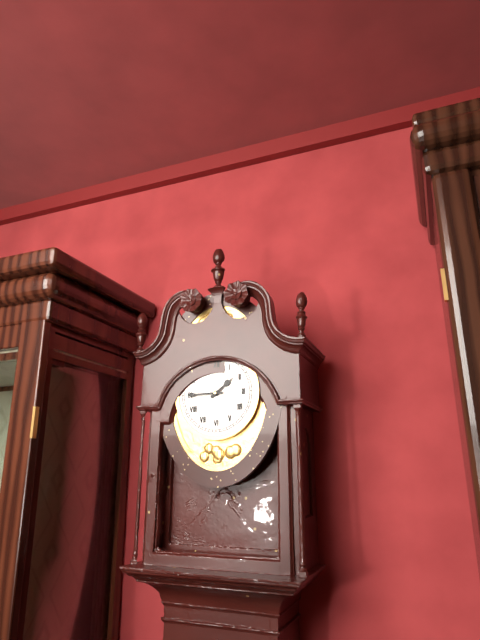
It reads 1 h 45 min
